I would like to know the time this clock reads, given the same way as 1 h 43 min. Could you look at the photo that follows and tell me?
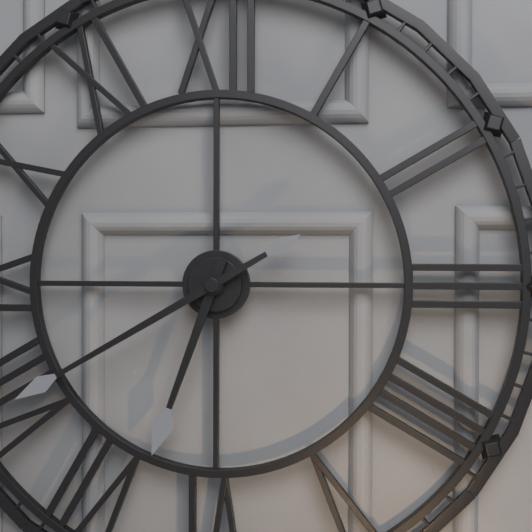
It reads 6 h 40 min
